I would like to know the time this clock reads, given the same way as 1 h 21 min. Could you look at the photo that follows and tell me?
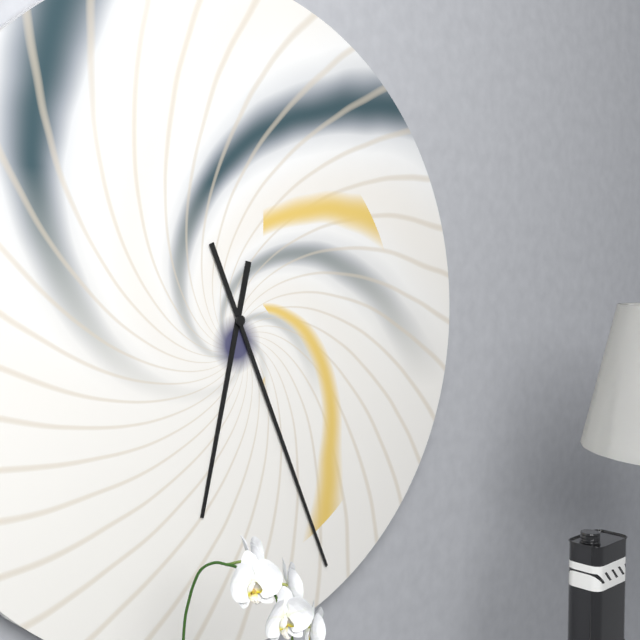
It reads 6 h 26 min
